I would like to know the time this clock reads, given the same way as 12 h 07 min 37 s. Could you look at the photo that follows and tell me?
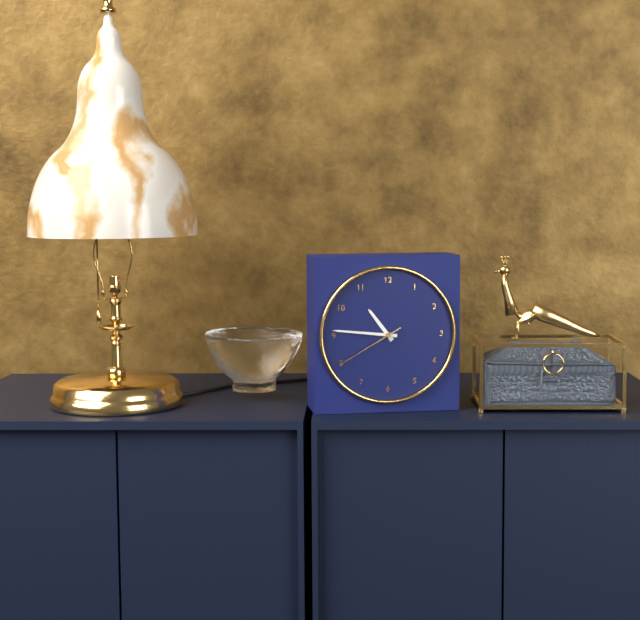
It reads 10 h 46 min 40 s
